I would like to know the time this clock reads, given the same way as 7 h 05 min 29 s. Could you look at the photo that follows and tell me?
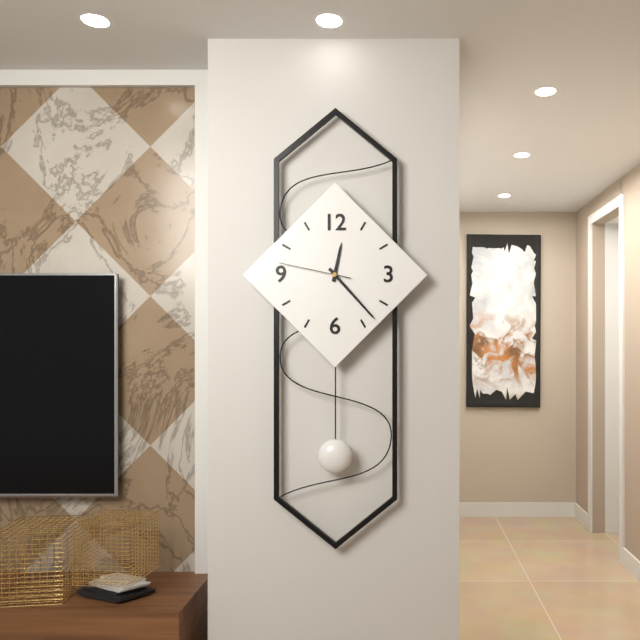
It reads 12 h 23 min 47 s
